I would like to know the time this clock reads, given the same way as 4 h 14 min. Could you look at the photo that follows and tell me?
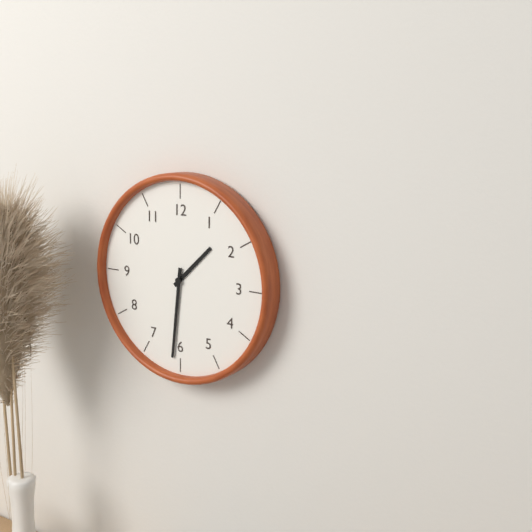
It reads 1 h 31 min
